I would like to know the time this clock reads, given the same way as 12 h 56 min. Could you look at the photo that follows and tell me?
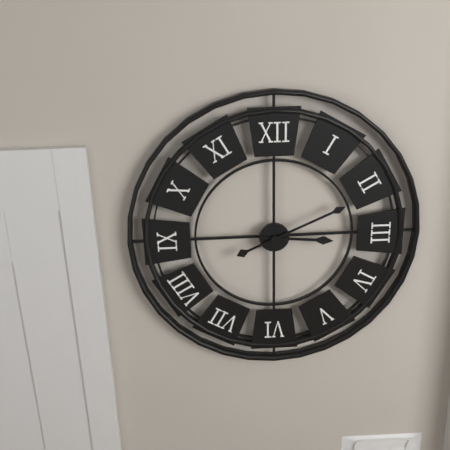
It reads 3 h 11 min
